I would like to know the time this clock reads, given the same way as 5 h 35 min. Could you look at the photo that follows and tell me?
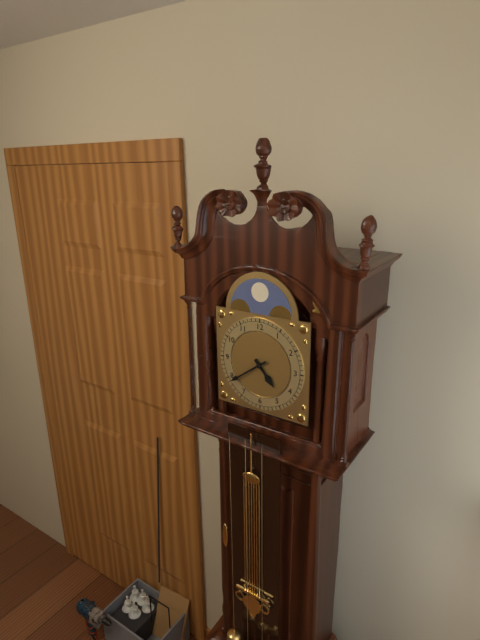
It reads 4 h 39 min
